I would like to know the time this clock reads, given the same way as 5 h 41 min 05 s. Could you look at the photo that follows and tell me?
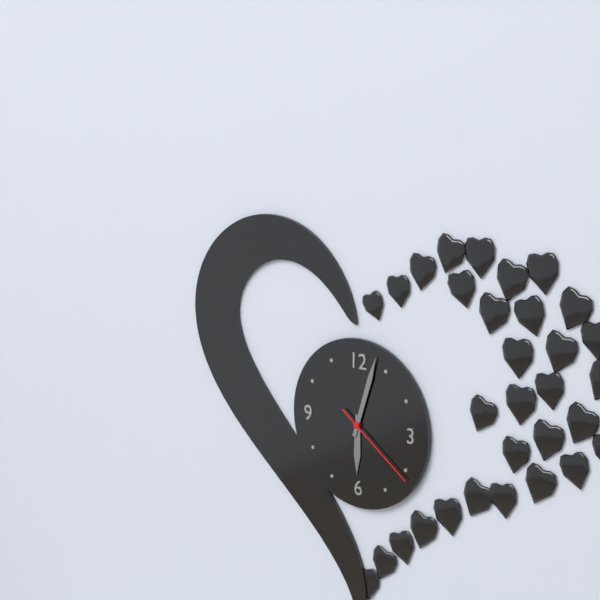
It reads 6 h 03 min 21 s
